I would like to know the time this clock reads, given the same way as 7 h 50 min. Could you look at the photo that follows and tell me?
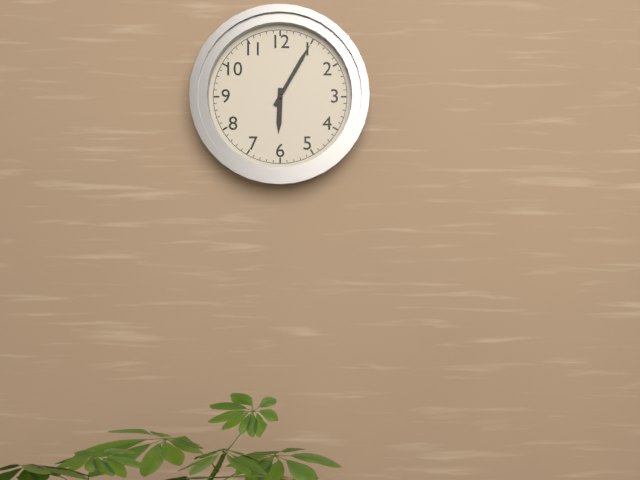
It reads 6 h 05 min
